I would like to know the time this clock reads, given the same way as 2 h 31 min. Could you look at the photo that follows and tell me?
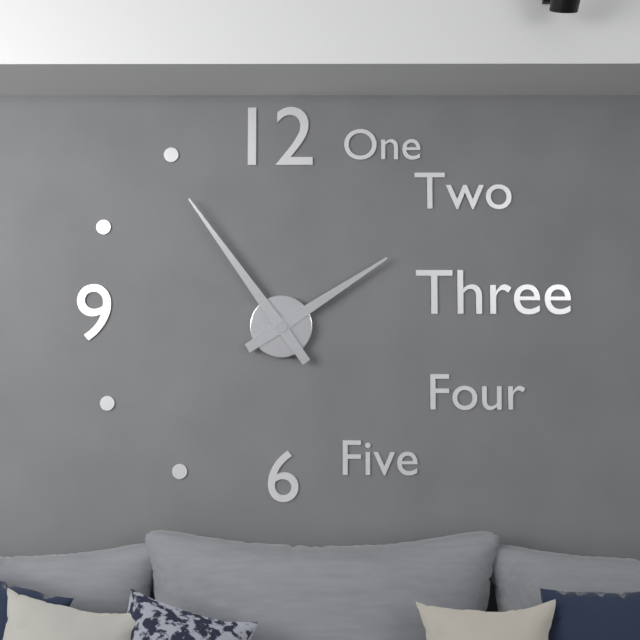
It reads 1 h 54 min
